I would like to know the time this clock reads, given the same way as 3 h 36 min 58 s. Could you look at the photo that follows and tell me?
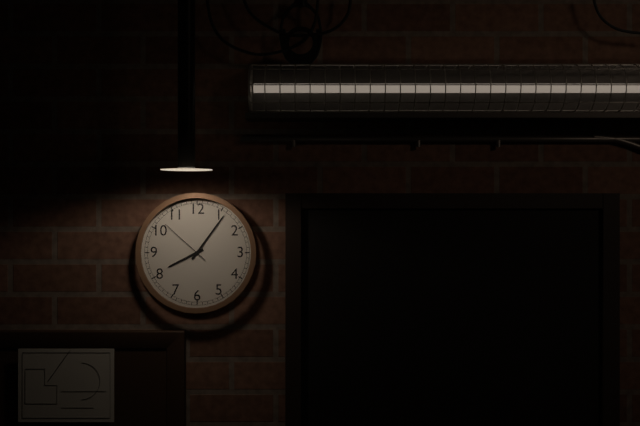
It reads 8 h 06 min 52 s
